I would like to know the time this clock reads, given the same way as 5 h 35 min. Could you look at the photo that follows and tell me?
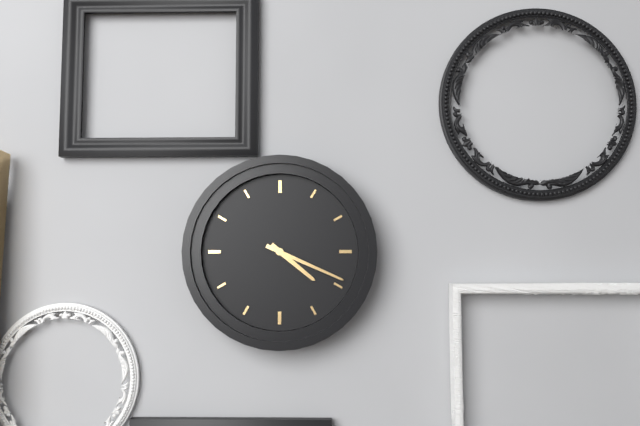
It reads 4 h 19 min
